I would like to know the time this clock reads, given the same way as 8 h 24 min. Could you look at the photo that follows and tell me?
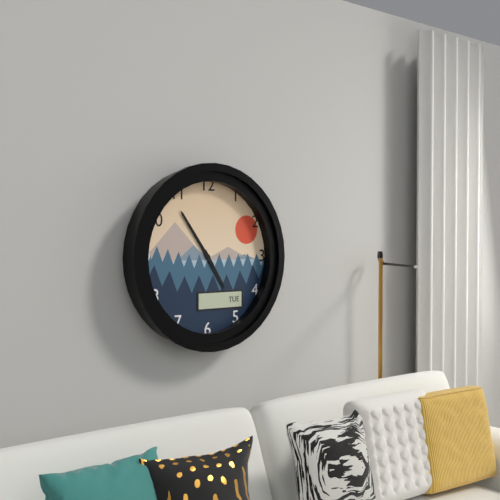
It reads 4 h 54 min
